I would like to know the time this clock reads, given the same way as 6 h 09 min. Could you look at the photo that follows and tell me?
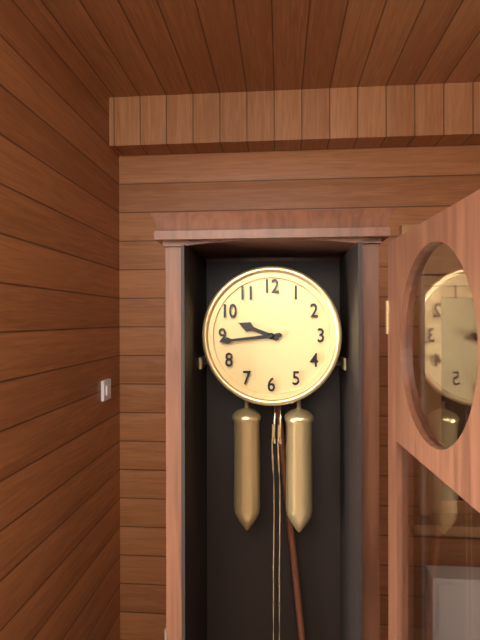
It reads 9 h 44 min
